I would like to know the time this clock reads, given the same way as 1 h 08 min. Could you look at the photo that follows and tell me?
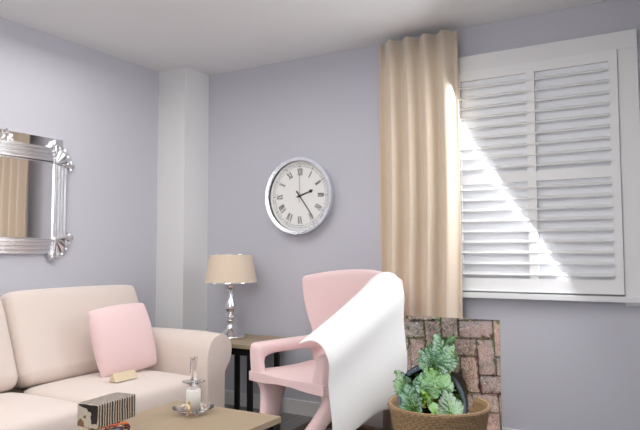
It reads 2 h 24 min
